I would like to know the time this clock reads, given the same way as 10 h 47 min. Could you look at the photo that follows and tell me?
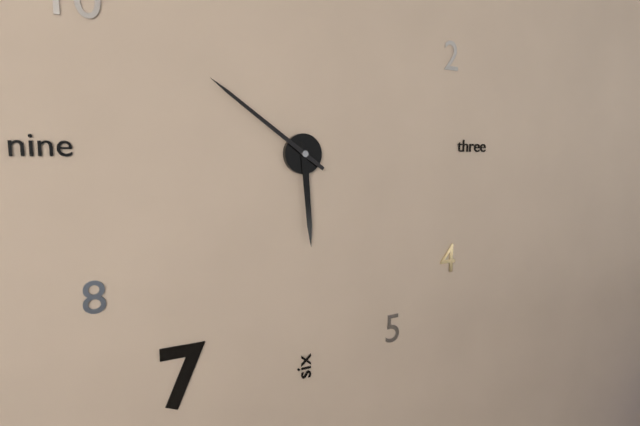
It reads 5 h 51 min
